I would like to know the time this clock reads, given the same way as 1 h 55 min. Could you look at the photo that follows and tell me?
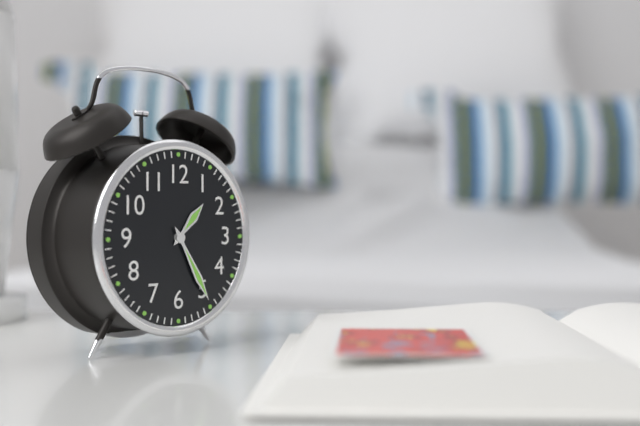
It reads 1 h 25 min
